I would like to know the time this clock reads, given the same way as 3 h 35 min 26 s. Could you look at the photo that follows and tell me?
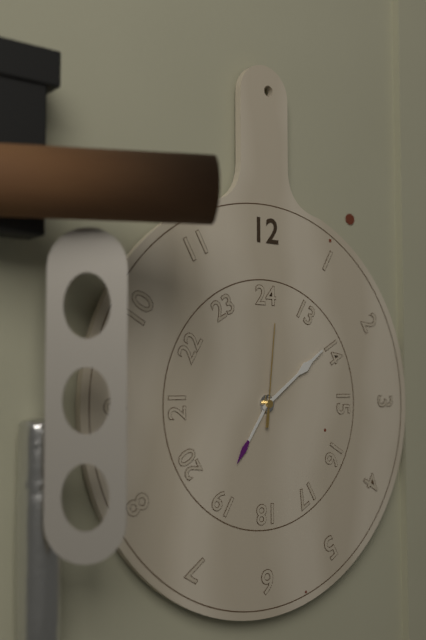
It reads 7 h 09 min 01 s
